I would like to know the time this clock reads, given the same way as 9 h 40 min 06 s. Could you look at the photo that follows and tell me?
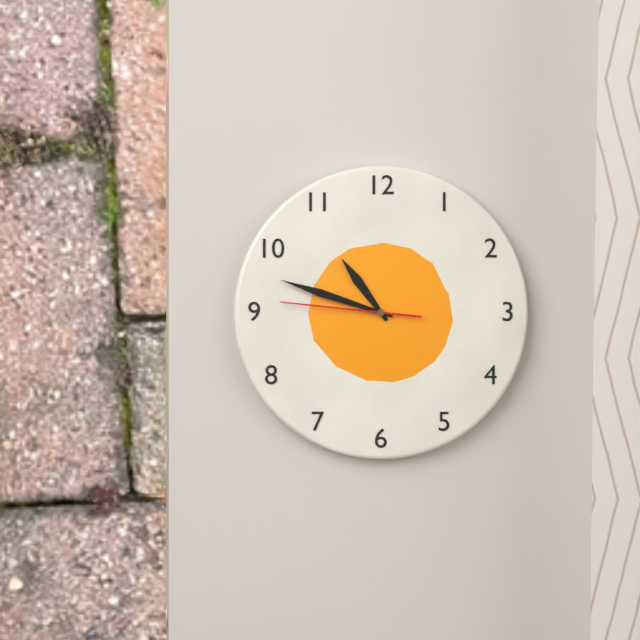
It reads 10 h 48 min 46 s
